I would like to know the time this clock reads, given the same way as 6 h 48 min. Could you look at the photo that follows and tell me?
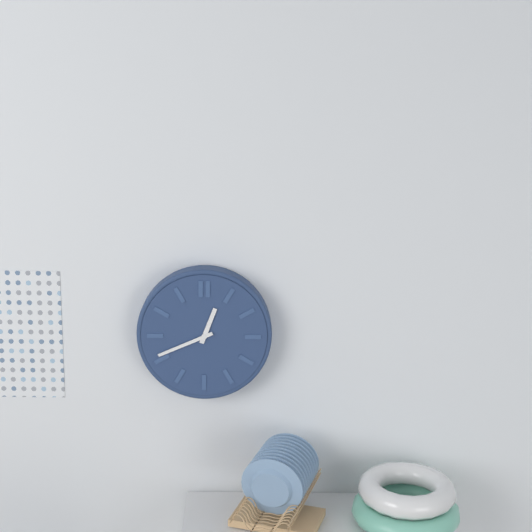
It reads 12 h 41 min
